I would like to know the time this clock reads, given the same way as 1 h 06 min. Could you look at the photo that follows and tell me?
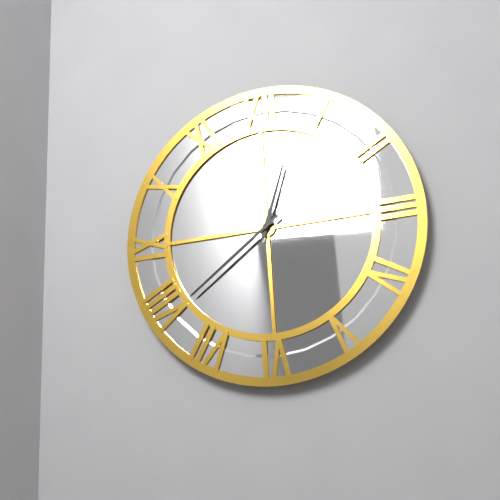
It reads 12 h 39 min
